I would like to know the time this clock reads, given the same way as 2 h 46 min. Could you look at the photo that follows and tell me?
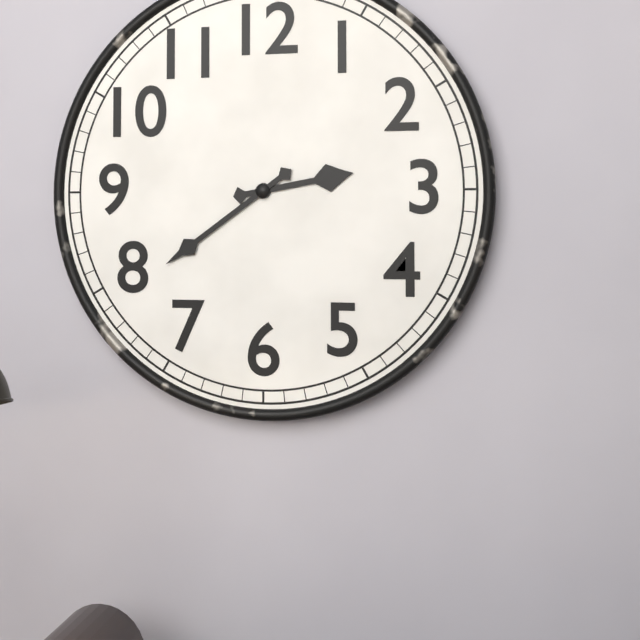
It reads 2 h 39 min
